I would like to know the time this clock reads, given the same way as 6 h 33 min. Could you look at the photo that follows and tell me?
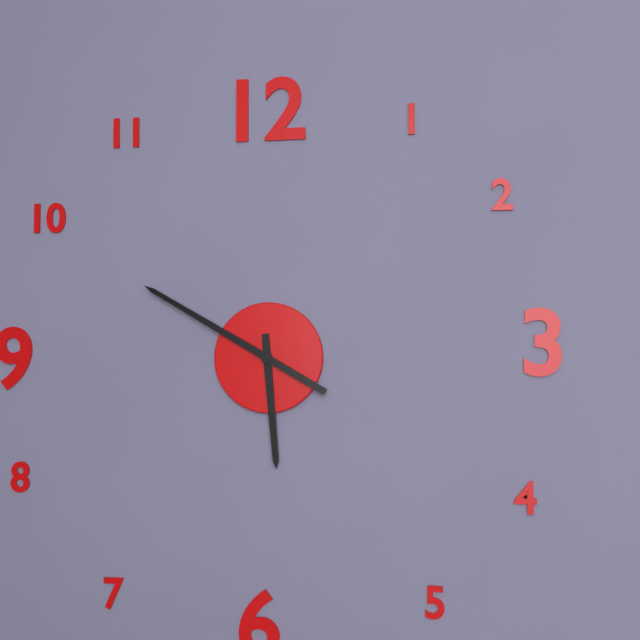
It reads 5 h 50 min
